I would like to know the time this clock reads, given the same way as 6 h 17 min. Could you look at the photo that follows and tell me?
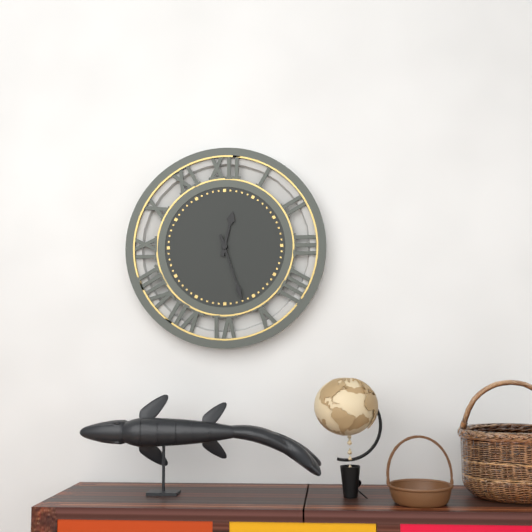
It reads 12 h 27 min
